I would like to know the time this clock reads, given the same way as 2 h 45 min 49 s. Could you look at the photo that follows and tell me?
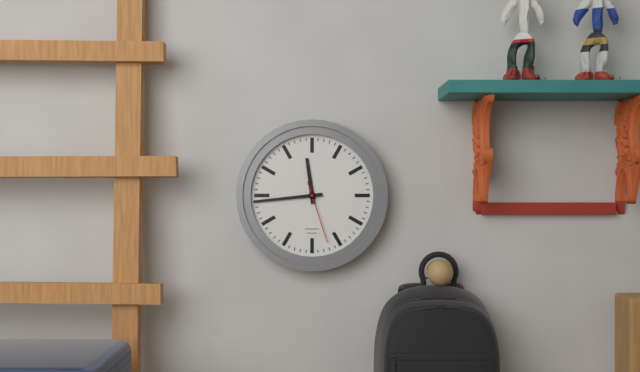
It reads 11 h 44 min 27 s
